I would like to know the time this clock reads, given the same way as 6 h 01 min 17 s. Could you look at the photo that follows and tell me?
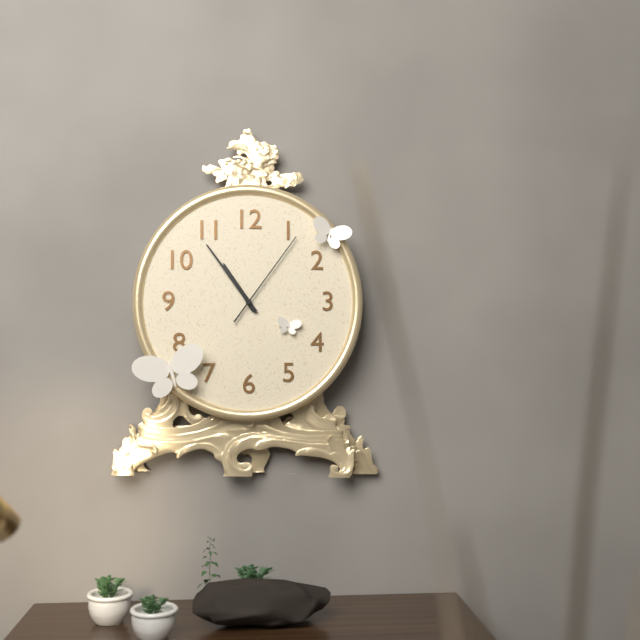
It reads 10 h 54 min 06 s
